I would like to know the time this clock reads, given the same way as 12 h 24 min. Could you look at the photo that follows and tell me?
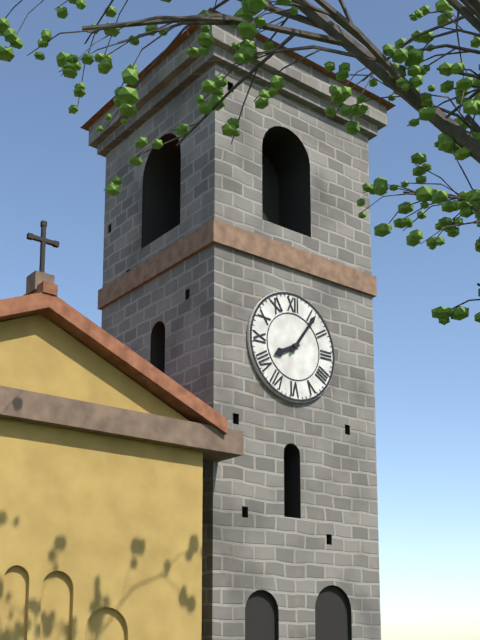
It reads 8 h 06 min
